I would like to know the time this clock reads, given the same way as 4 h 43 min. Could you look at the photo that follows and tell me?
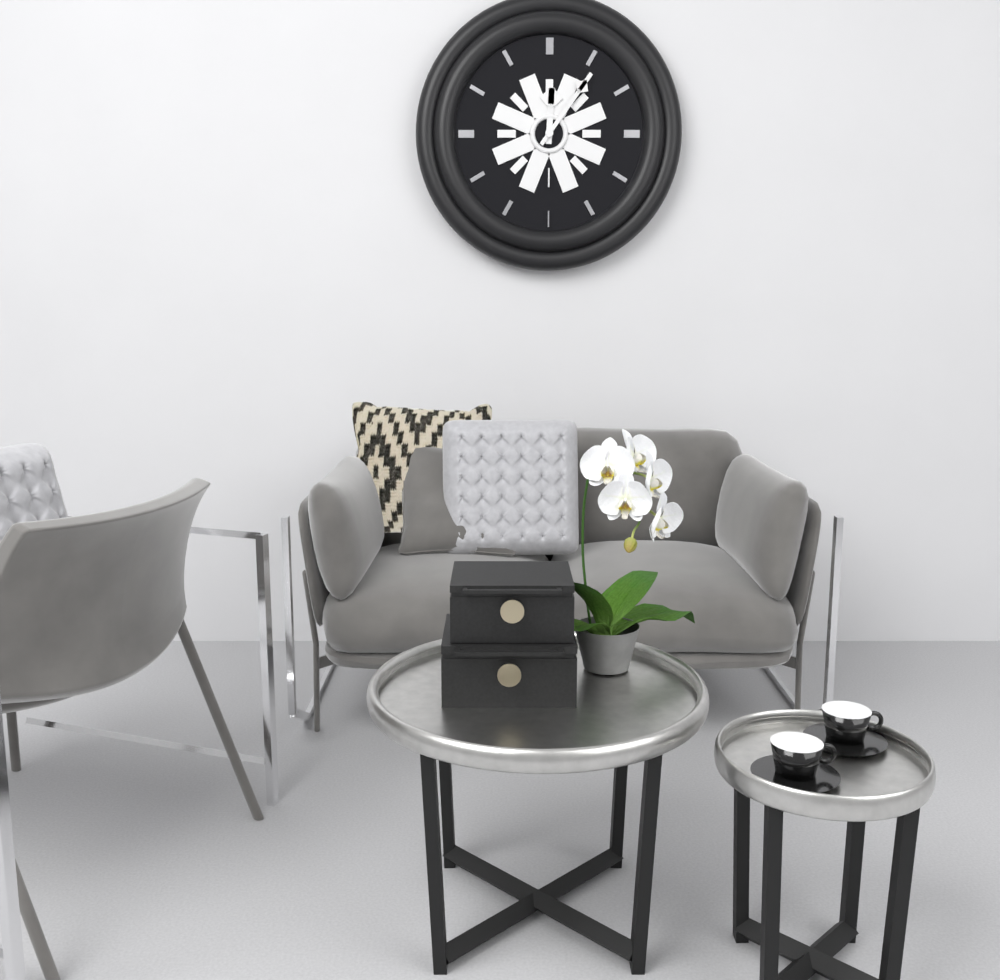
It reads 12 h 06 min
